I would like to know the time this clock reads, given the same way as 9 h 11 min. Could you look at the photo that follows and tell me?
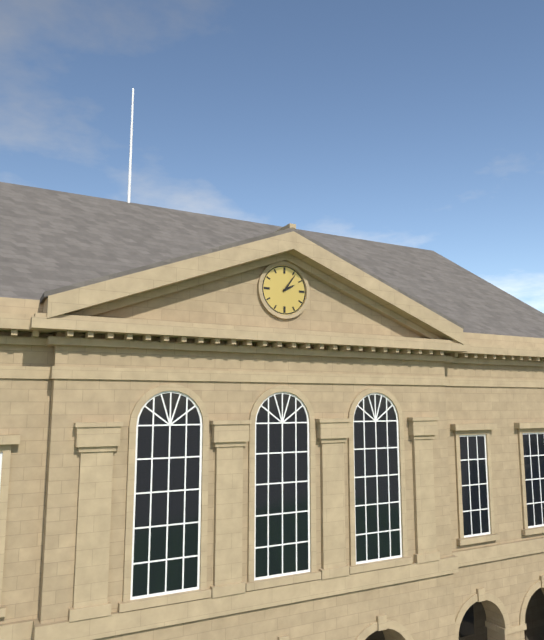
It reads 2 h 06 min
